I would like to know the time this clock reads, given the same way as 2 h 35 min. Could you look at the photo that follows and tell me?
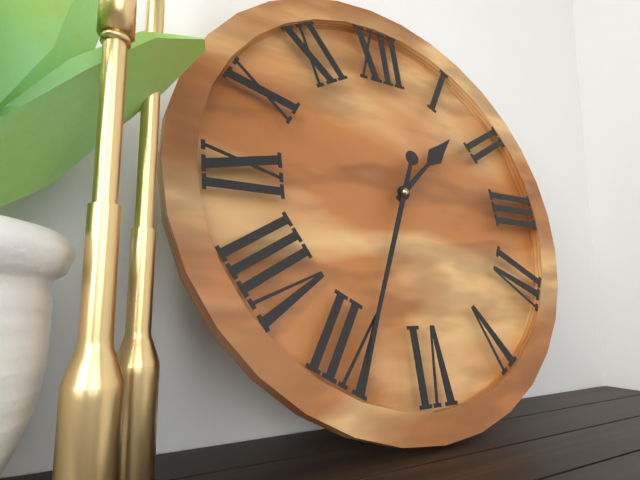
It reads 1 h 34 min
